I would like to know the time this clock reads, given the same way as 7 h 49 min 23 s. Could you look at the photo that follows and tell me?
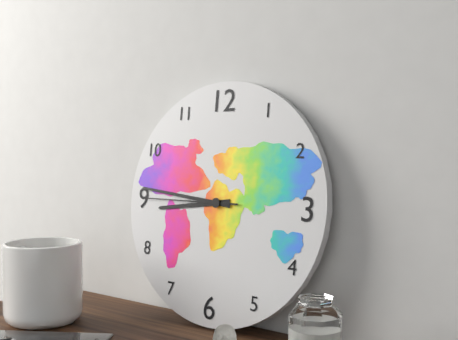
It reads 8 h 46 min 45 s
